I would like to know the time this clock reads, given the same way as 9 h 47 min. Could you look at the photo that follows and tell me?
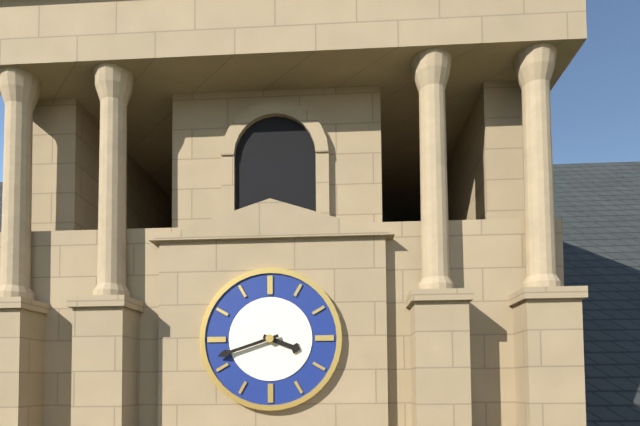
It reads 3 h 42 min
